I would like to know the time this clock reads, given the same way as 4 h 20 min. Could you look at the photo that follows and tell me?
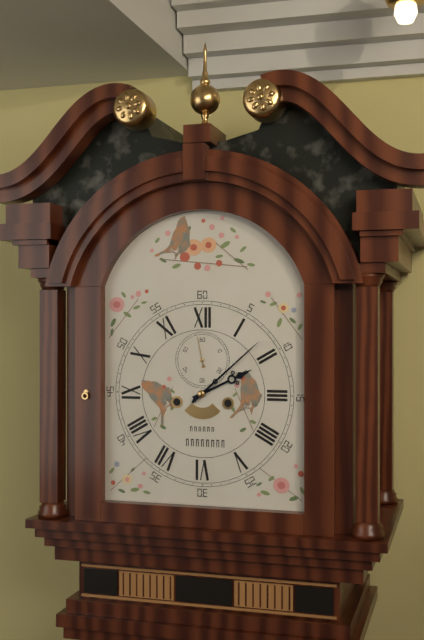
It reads 2 h 08 min
